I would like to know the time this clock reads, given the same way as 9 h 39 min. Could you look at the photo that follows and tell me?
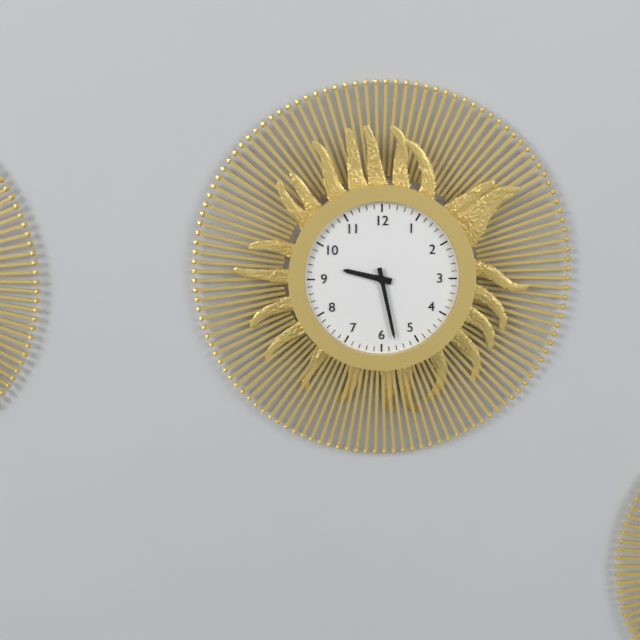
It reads 9 h 28 min
